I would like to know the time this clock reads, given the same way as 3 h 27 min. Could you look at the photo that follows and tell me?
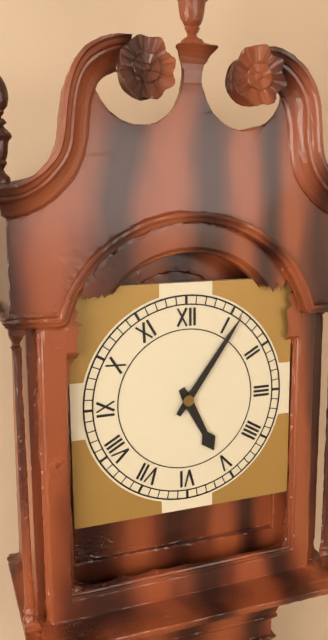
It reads 5 h 06 min
